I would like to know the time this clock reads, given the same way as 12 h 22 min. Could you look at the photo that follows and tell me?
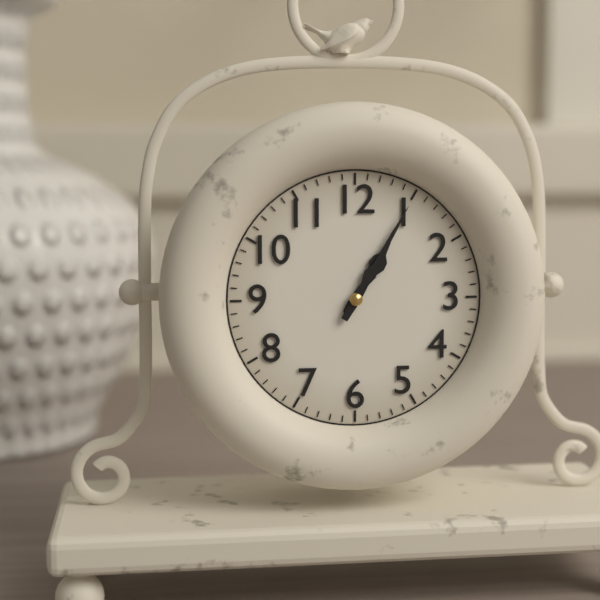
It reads 1 h 05 min
